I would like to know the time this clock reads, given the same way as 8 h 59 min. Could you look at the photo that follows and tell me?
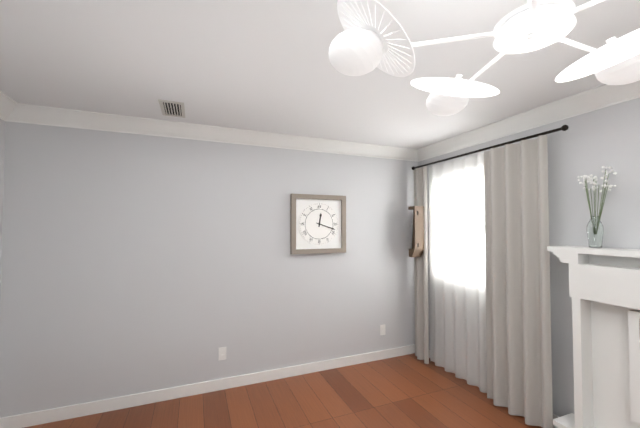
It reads 12 h 18 min
